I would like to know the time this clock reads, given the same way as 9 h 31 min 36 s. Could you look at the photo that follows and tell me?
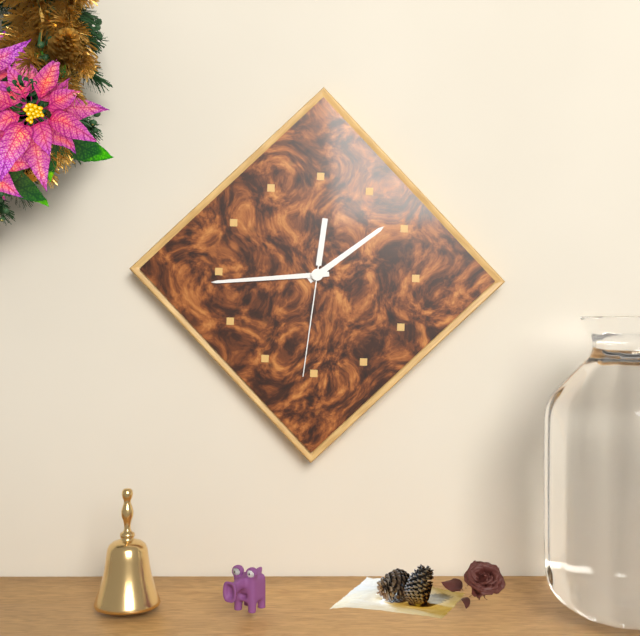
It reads 1 h 44 min 31 s
